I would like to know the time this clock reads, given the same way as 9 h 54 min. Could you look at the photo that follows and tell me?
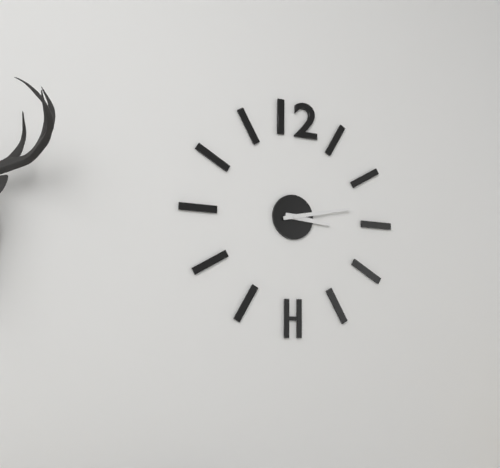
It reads 3 h 13 min
